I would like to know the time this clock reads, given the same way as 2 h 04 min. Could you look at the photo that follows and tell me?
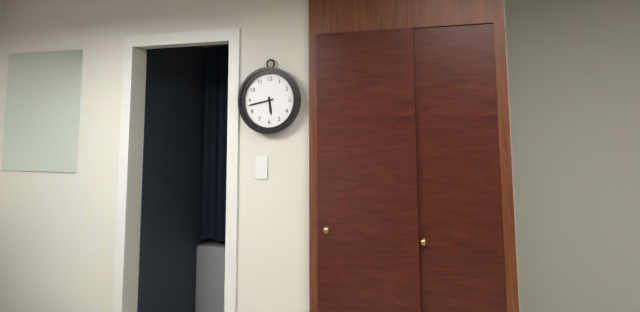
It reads 5 h 43 min
